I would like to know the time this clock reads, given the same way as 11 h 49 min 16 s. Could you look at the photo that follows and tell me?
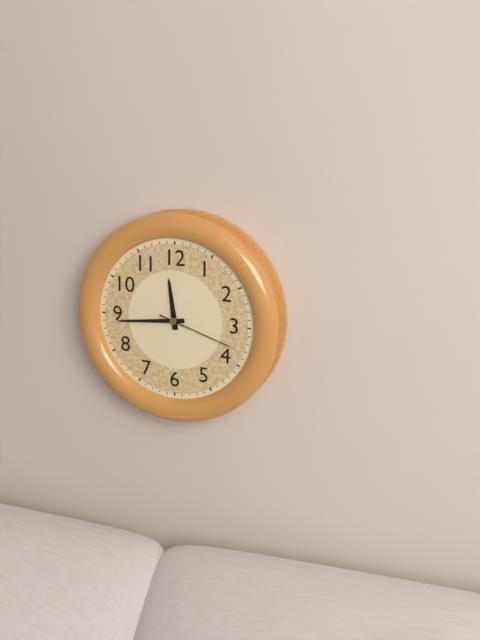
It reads 11 h 44 min 18 s
